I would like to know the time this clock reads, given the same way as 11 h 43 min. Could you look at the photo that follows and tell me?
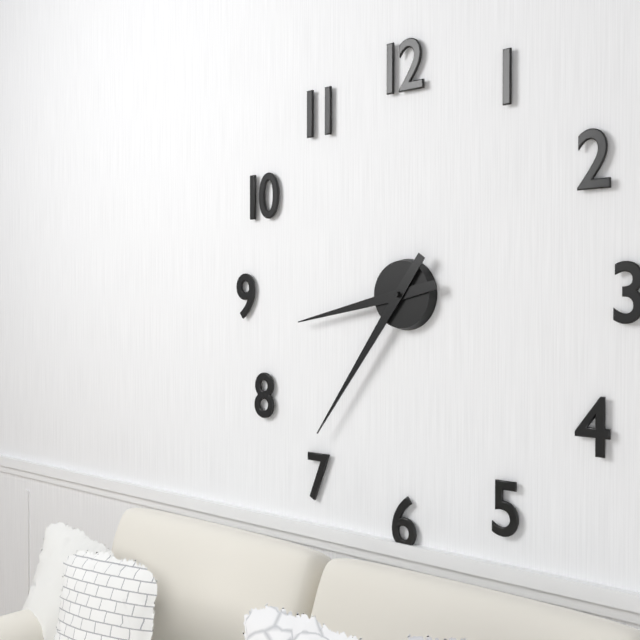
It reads 8 h 36 min
